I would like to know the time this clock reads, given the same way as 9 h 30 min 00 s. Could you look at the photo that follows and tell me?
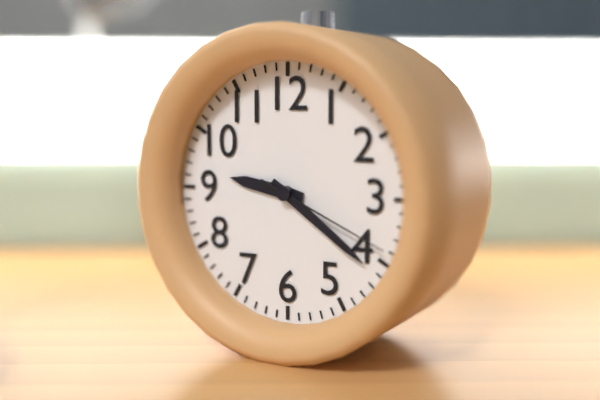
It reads 9 h 21 min 19 s
